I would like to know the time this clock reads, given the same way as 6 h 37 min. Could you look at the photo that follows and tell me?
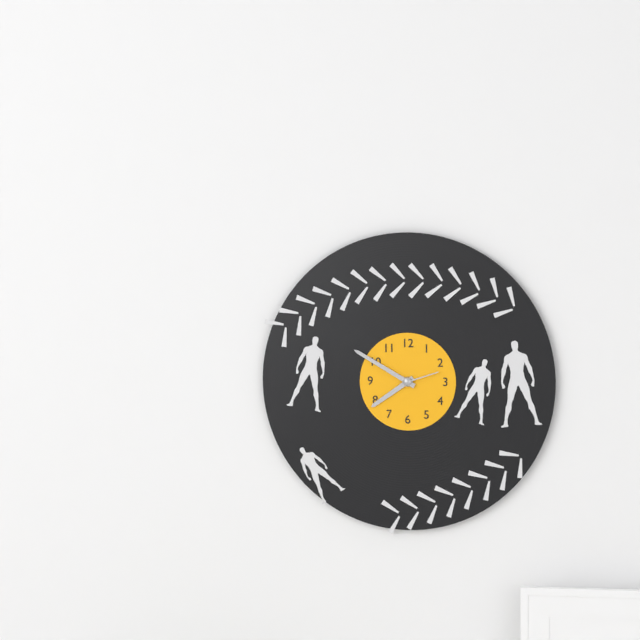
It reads 7 h 50 min
